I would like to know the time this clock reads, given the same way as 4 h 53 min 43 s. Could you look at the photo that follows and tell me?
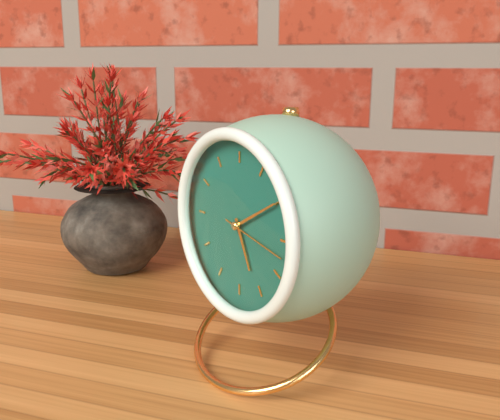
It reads 5 h 10 min 17 s
